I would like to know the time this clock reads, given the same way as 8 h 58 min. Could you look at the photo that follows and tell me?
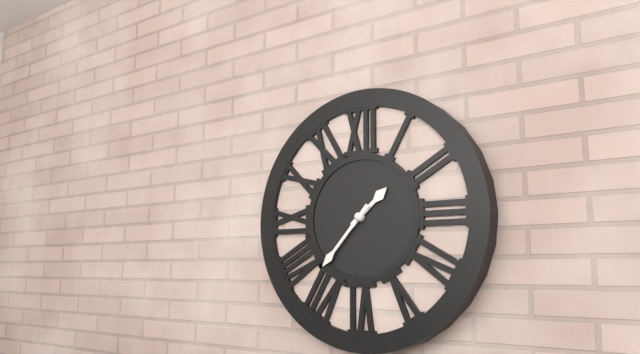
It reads 1 h 37 min
